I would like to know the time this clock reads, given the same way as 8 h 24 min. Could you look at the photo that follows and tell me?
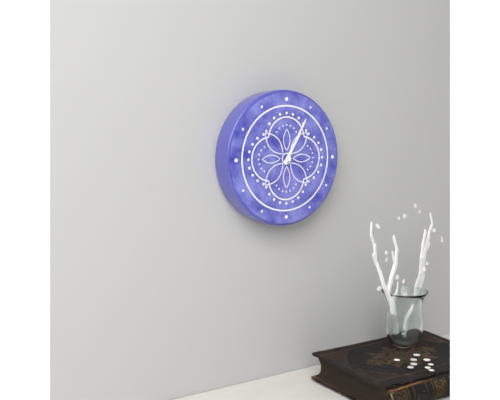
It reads 1 h 05 min
